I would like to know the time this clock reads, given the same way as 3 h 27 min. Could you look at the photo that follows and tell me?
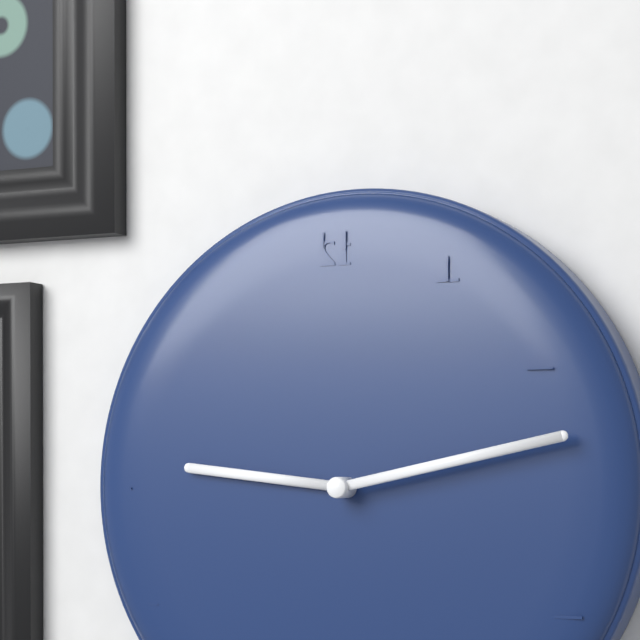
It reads 9 h 13 min
